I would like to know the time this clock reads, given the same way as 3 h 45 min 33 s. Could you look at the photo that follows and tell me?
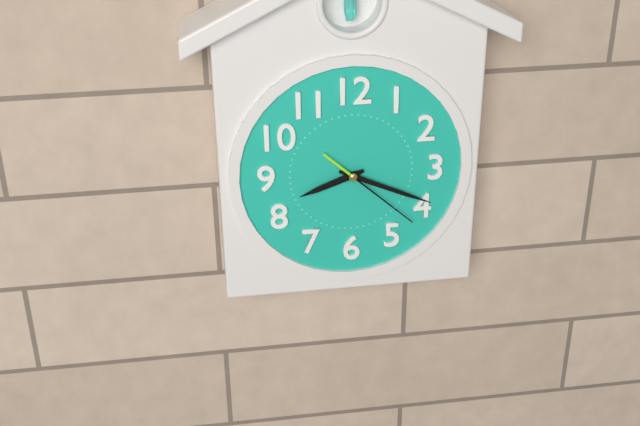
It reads 8 h 19 min 22 s
